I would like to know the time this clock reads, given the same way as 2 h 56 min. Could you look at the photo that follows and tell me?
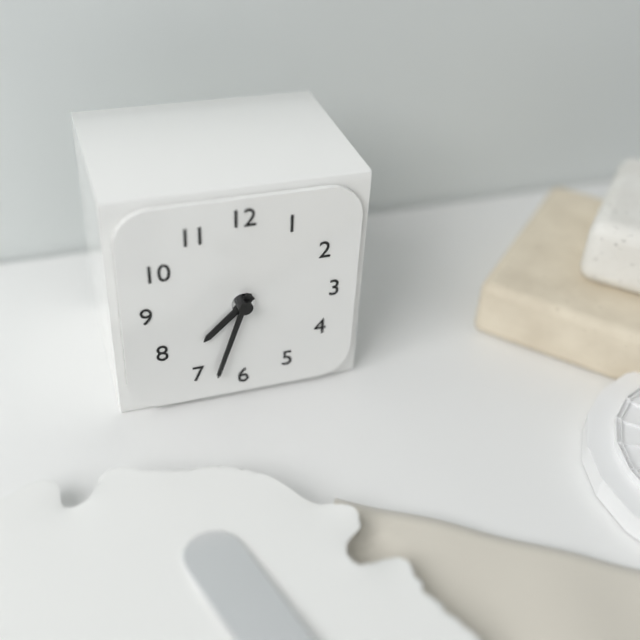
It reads 7 h 33 min
